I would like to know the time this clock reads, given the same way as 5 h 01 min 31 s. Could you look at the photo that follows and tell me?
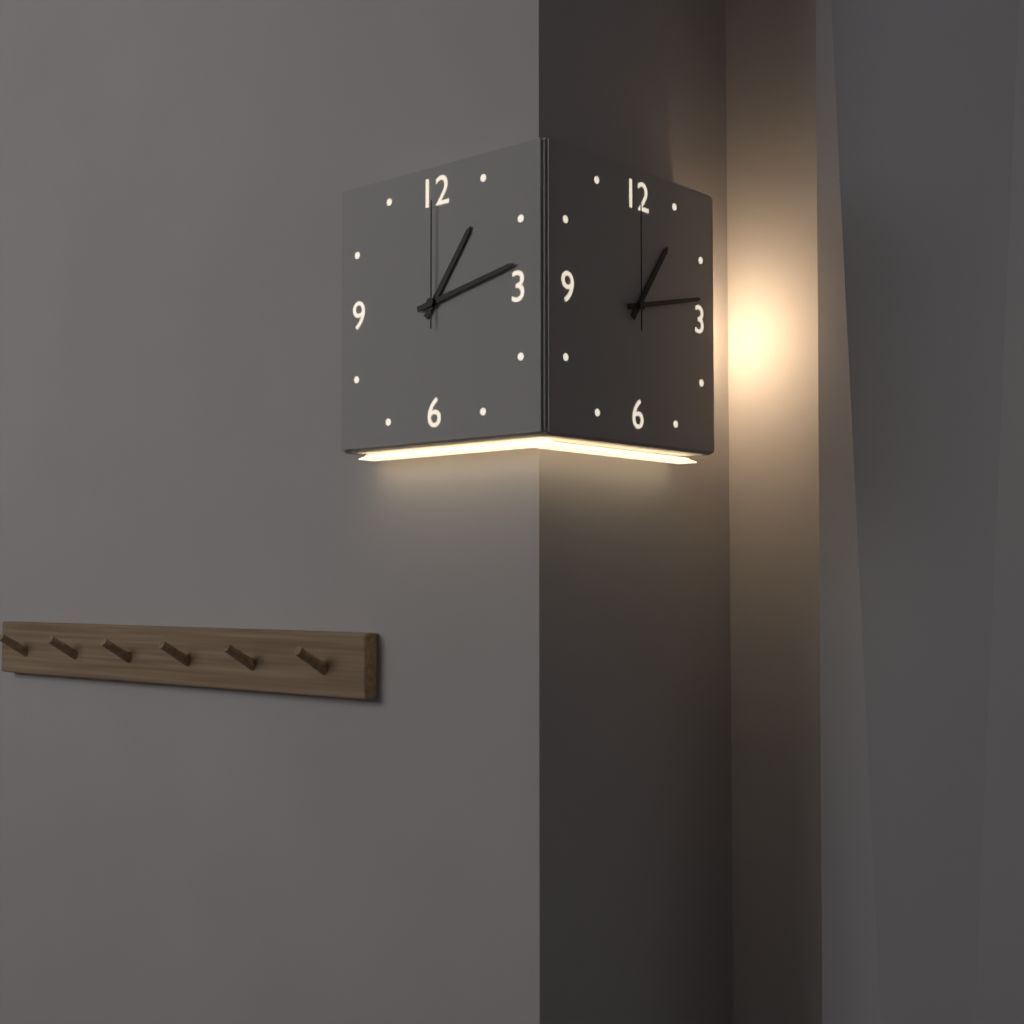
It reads 1 h 13 min 00 s
